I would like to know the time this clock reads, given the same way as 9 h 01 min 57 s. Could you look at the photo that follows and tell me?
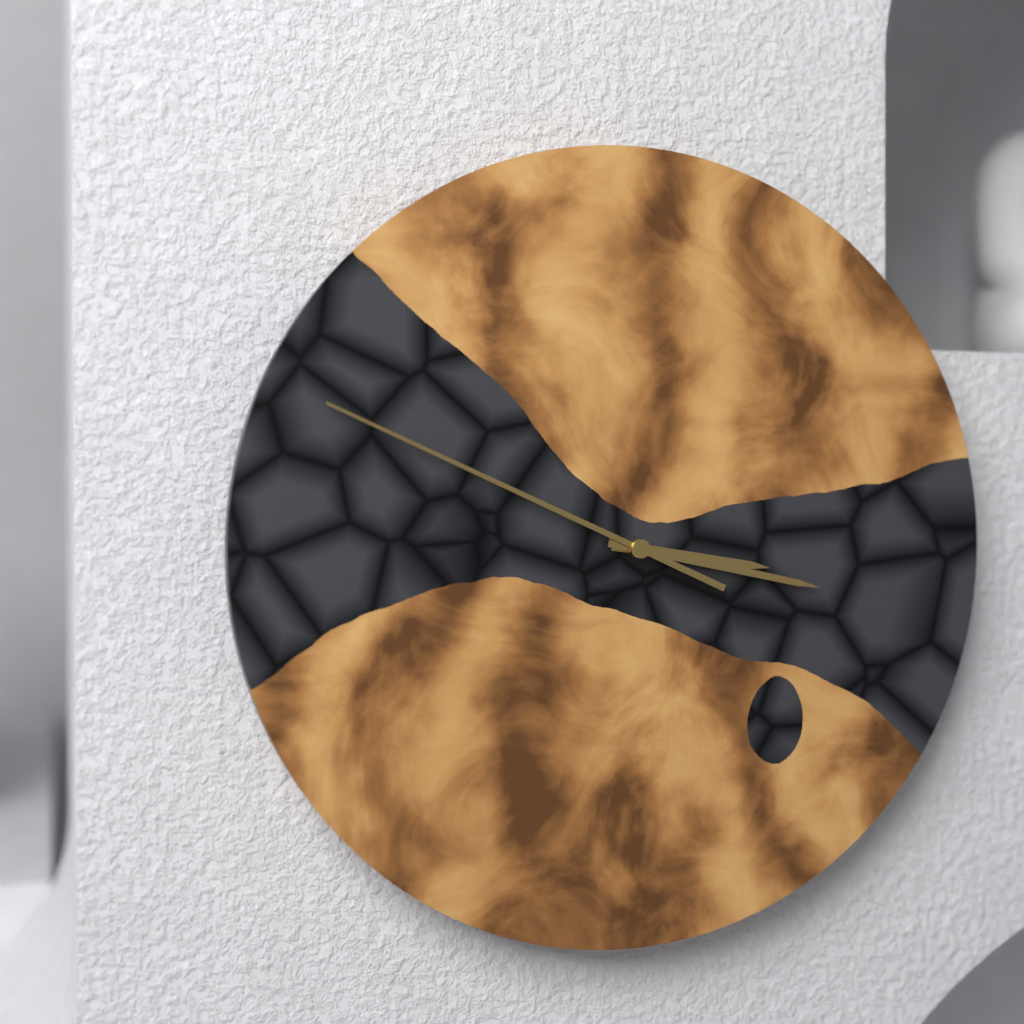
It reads 3 h 17 min 49 s
